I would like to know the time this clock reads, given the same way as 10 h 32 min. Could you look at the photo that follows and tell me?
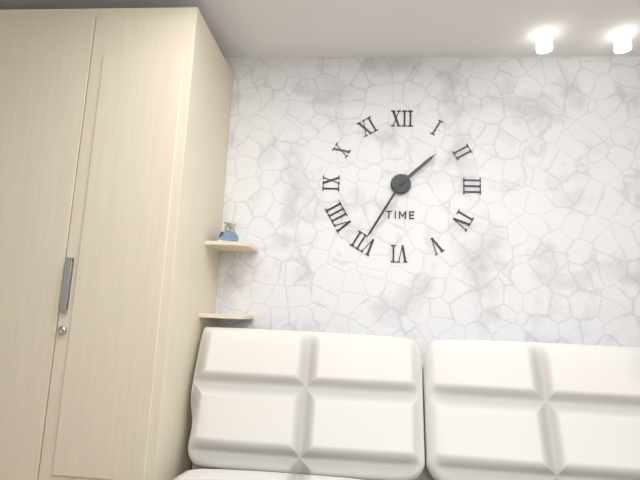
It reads 1 h 35 min
